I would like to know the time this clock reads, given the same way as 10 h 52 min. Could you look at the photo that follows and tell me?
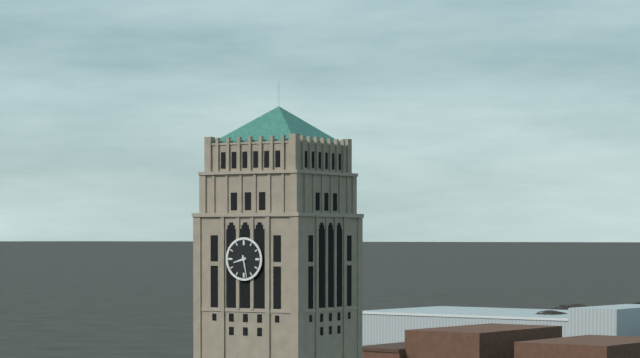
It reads 8 h 28 min
